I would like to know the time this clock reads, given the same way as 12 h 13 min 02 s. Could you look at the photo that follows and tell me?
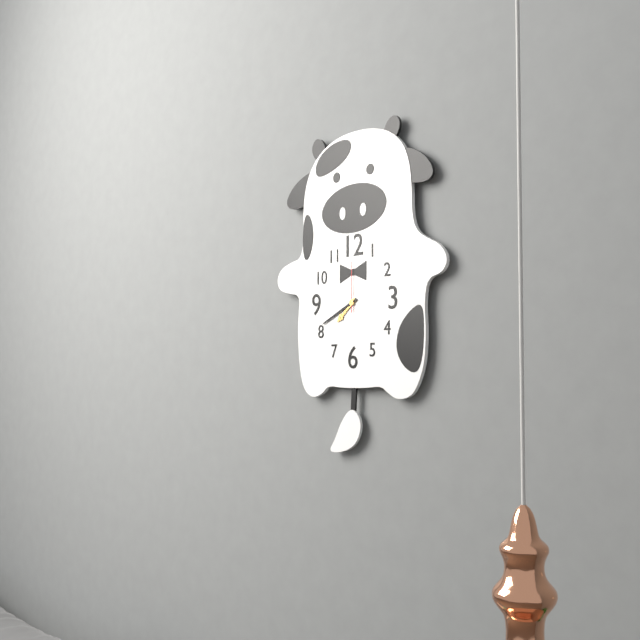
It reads 7 h 41 min 00 s
